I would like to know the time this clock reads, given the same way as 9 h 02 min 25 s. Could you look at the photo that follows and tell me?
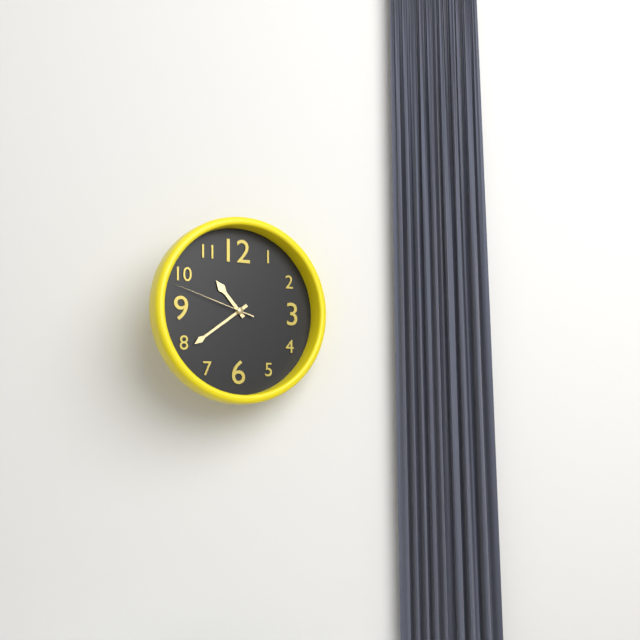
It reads 10 h 39 min 48 s
